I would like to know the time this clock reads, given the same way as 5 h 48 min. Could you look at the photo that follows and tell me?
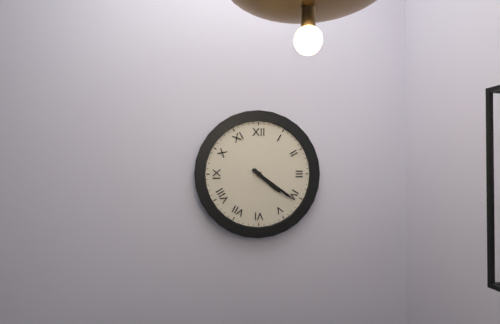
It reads 4 h 21 min
